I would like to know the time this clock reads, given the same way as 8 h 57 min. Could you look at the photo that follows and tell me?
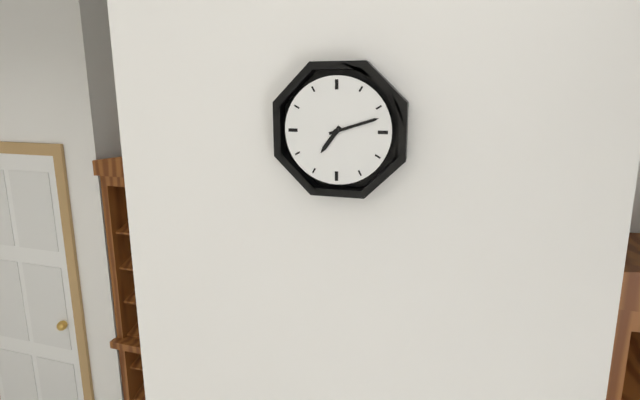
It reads 7 h 12 min
